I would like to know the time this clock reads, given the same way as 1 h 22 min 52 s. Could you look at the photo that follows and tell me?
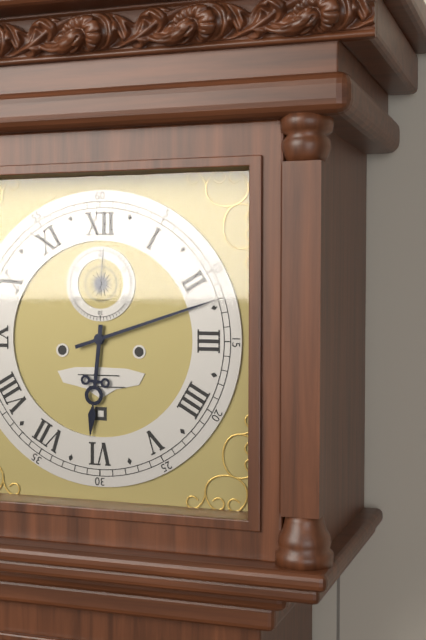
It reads 6 h 12 min 01 s
